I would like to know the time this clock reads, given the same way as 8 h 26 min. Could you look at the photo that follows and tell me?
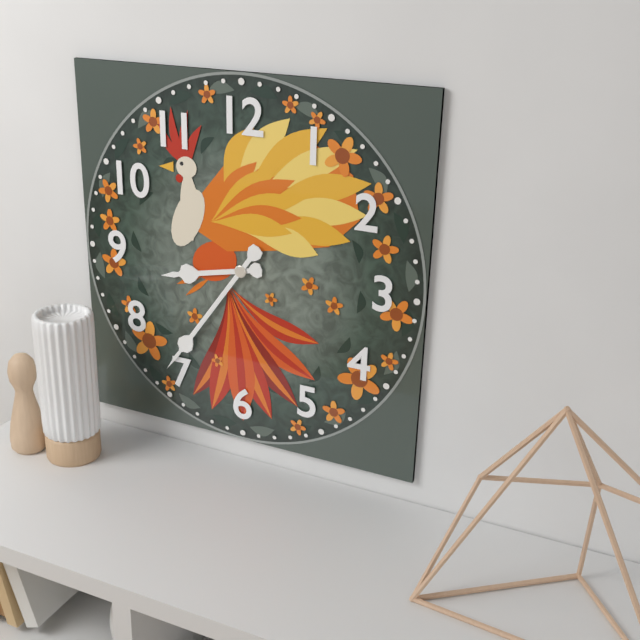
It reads 8 h 36 min
